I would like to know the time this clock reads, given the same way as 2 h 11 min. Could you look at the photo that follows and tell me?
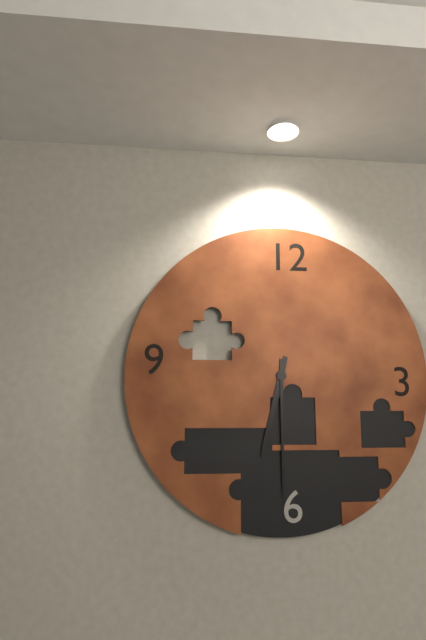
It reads 6 h 30 min
